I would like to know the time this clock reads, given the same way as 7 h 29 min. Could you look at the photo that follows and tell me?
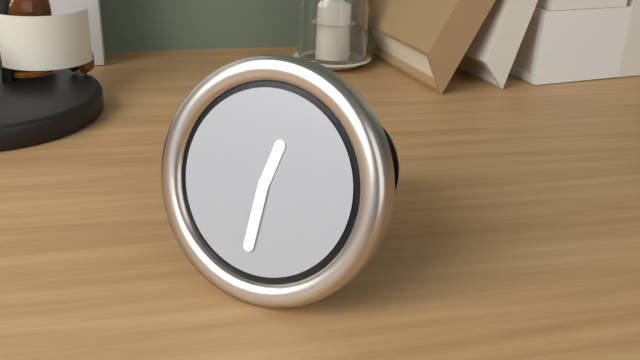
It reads 12 h 31 min
